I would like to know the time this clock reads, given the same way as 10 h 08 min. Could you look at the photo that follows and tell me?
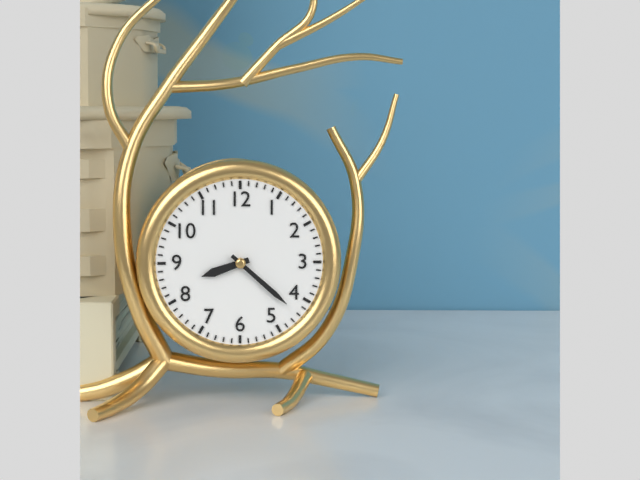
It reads 8 h 22 min
